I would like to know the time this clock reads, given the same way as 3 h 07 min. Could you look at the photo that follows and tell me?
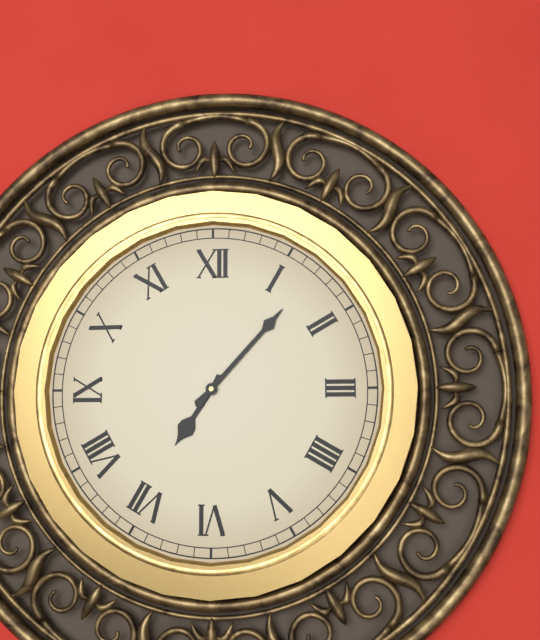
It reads 7 h 07 min
